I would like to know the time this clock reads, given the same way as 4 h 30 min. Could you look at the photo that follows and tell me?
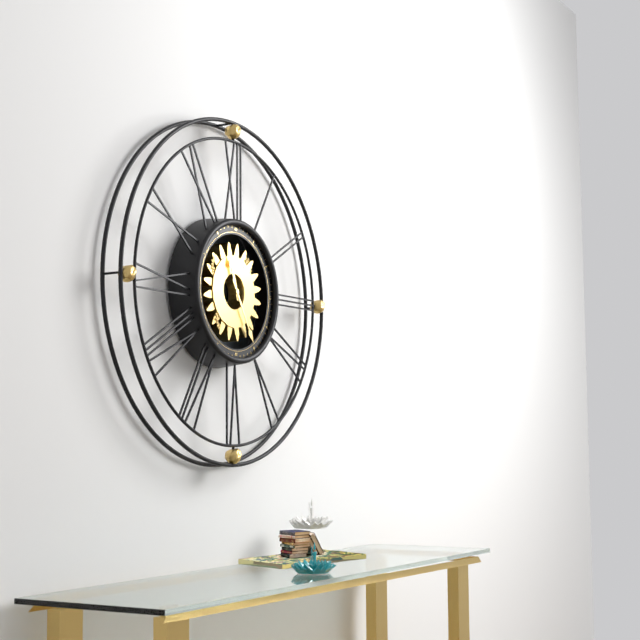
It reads 11 h 25 min
